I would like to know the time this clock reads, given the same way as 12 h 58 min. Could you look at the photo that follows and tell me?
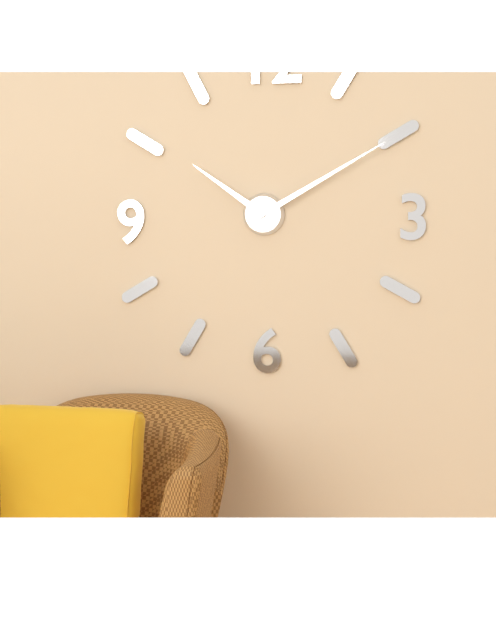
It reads 10 h 10 min
